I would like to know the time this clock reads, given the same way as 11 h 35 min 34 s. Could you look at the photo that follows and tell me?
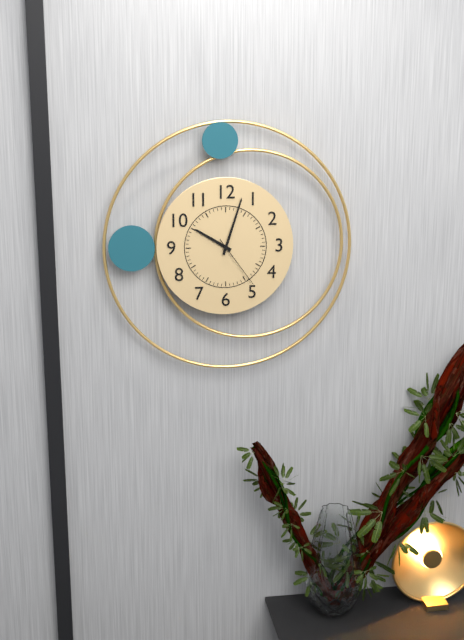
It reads 10 h 03 min 24 s
